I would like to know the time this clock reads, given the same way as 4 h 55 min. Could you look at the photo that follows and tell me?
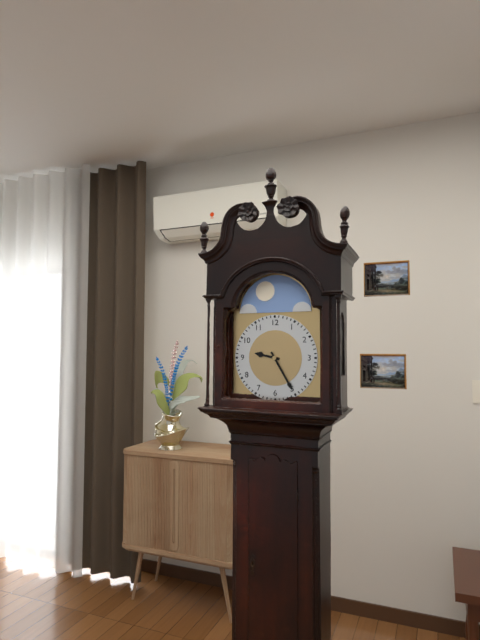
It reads 9 h 25 min
